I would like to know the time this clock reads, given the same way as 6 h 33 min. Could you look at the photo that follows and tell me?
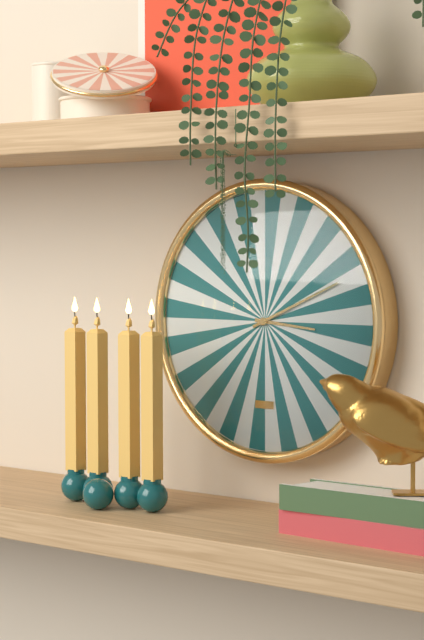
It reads 3 h 11 min
